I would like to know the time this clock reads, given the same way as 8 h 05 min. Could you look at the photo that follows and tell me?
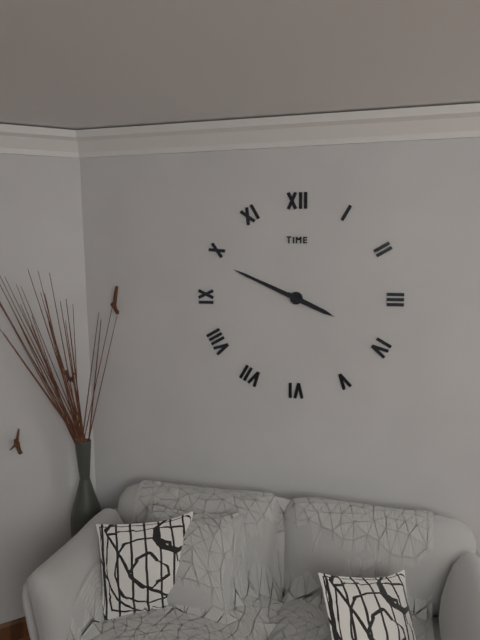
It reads 3 h 49 min
